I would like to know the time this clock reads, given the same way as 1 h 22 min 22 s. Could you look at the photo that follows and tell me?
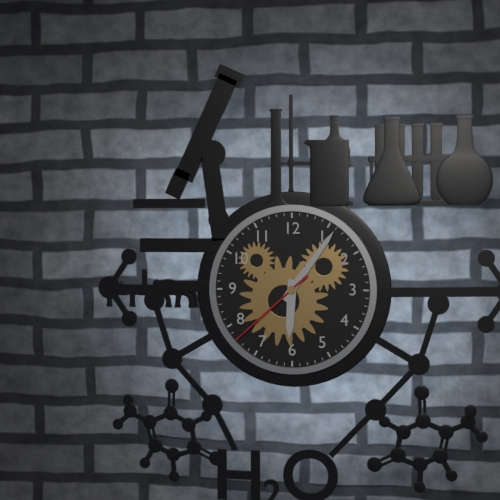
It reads 6 h 06 min 38 s
